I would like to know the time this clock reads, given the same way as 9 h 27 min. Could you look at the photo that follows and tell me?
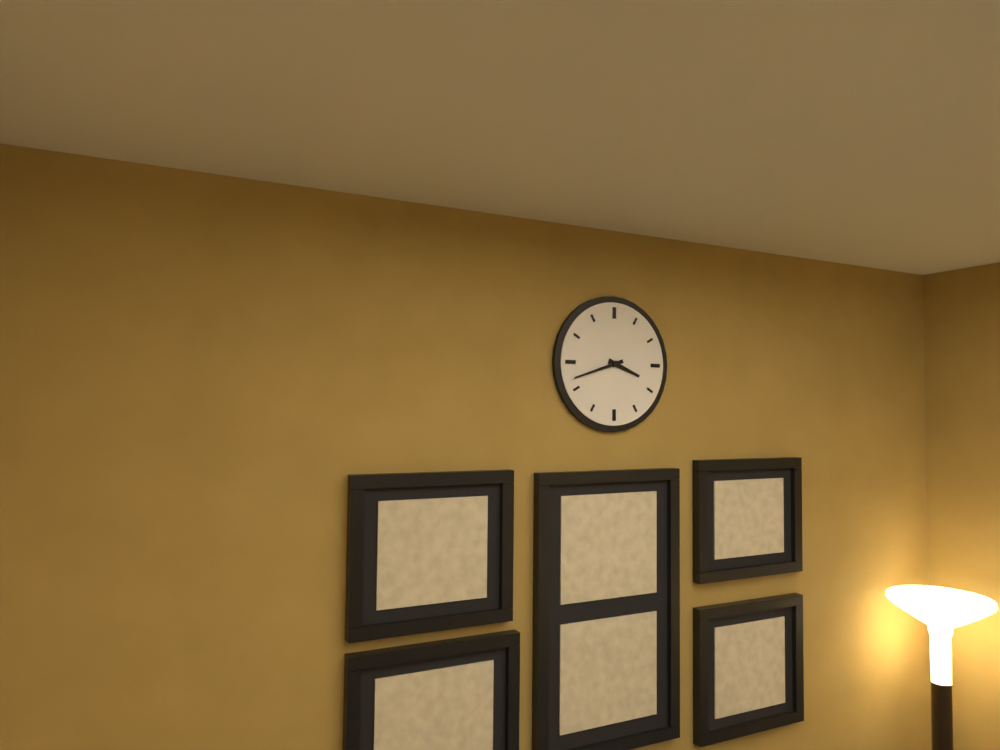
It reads 3 h 42 min
